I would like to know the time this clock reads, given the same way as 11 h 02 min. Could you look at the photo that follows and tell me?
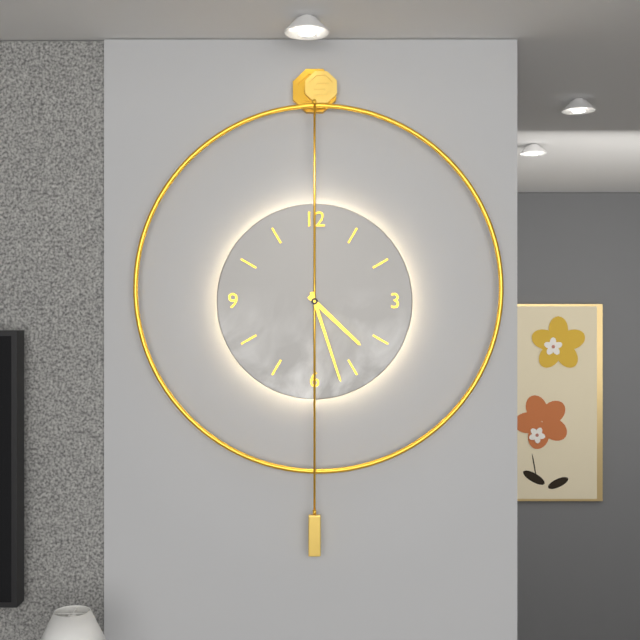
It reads 4 h 27 min
